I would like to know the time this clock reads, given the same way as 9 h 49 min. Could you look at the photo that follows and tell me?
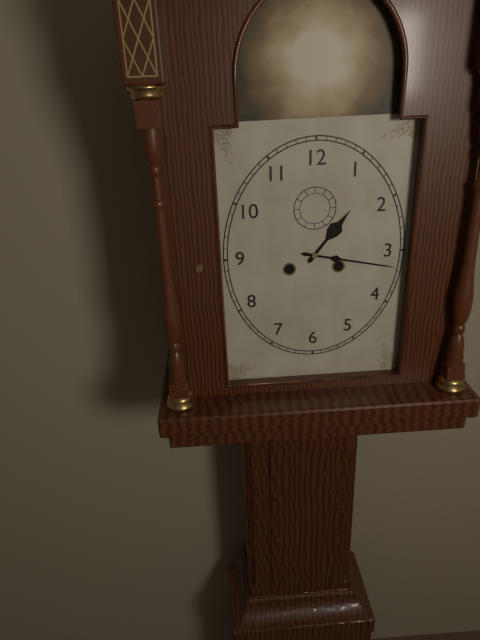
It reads 1 h 17 min
